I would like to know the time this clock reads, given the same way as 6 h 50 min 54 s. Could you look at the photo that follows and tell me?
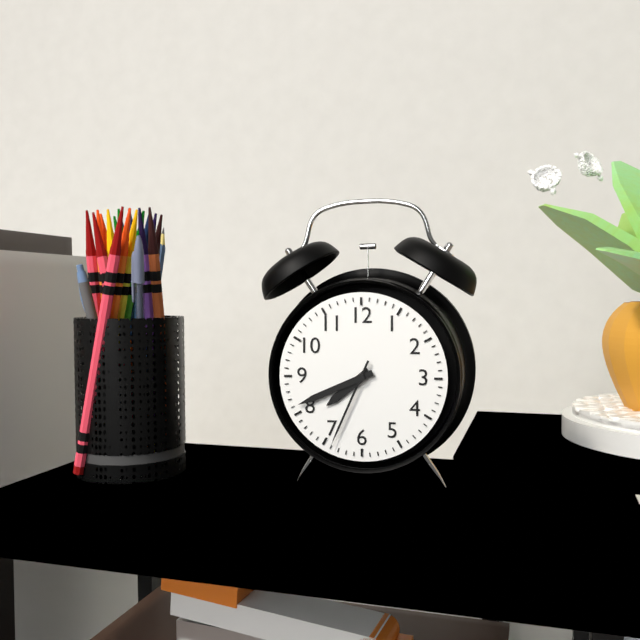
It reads 7 h 41 min 34 s
